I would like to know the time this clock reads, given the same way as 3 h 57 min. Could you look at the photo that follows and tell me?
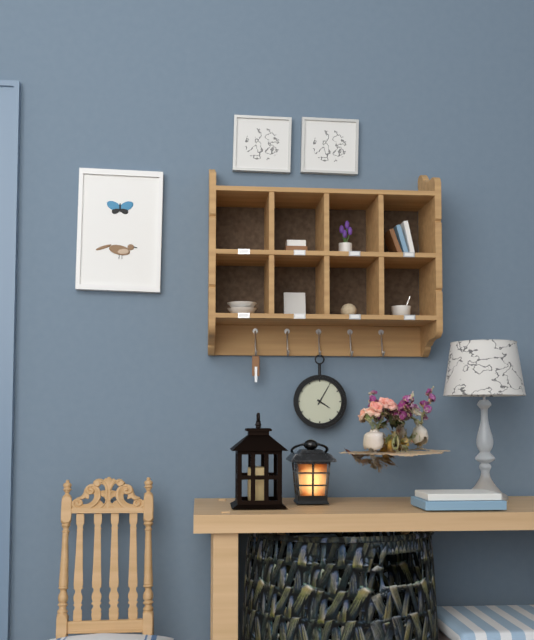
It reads 4 h 05 min
